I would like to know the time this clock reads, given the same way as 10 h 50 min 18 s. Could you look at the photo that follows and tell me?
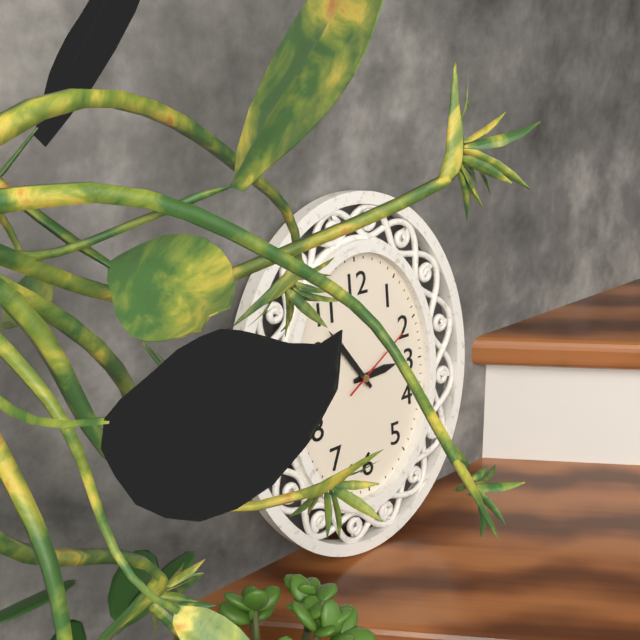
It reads 2 h 54 min 10 s
